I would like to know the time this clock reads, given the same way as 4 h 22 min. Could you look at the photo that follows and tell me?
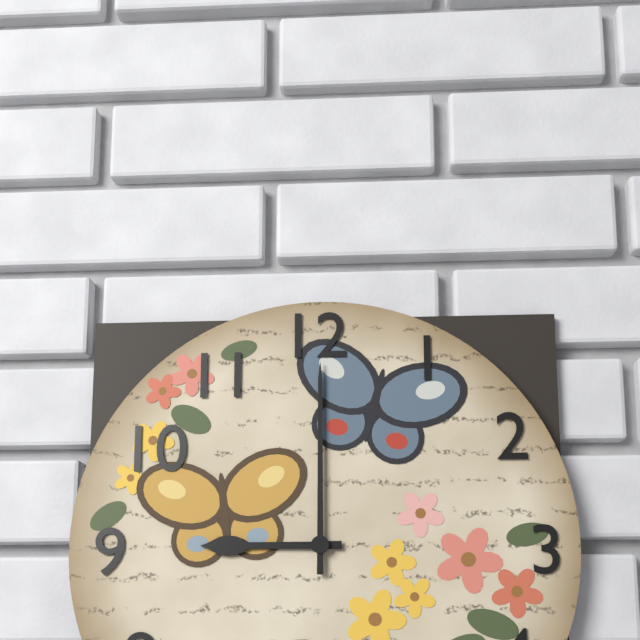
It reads 9 h 00 min
